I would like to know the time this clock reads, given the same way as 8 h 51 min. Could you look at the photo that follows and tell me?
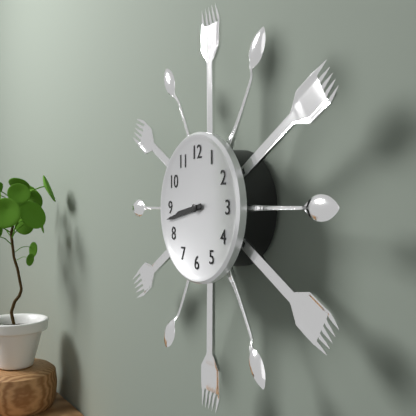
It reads 8 h 43 min
